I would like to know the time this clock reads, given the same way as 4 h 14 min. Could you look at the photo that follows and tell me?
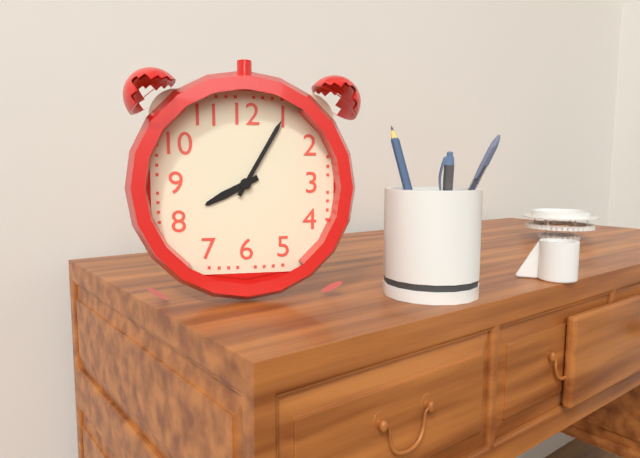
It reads 8 h 05 min
